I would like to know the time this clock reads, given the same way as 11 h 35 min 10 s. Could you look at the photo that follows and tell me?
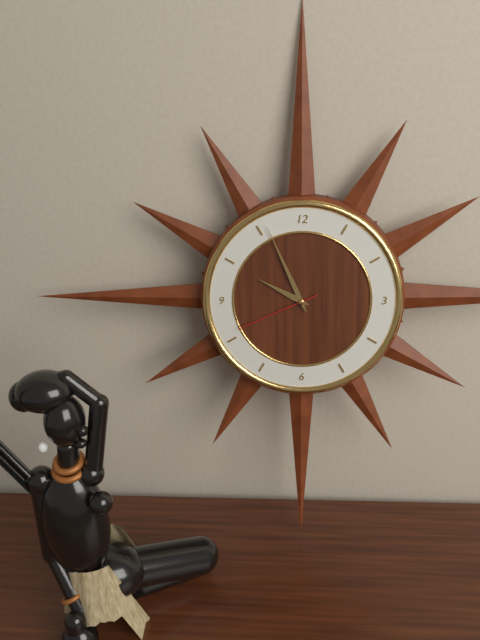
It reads 9 h 56 min 41 s
